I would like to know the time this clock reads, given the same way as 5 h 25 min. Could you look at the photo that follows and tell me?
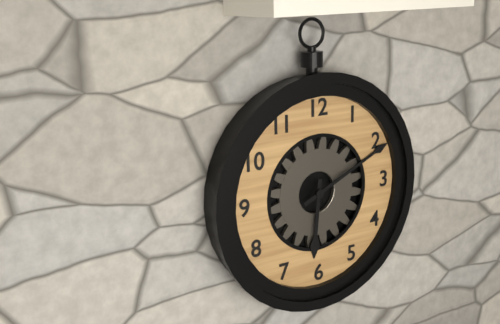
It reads 6 h 11 min
